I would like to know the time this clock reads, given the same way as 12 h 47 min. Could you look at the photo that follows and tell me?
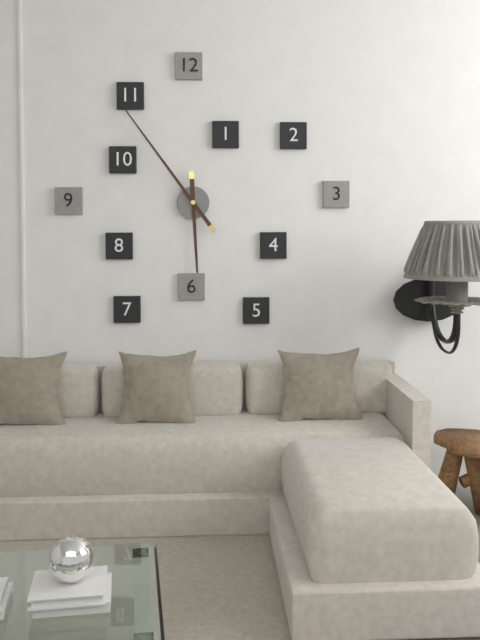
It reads 5 h 54 min
